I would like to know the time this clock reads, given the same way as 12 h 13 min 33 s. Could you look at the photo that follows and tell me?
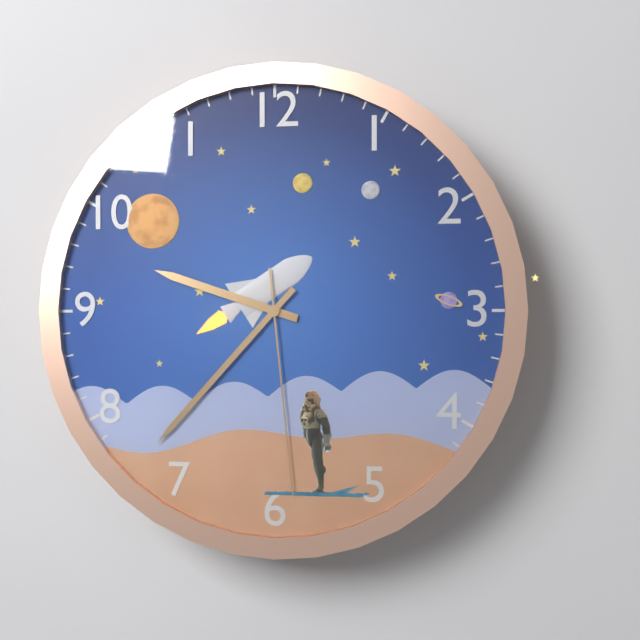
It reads 9 h 37 min 29 s
